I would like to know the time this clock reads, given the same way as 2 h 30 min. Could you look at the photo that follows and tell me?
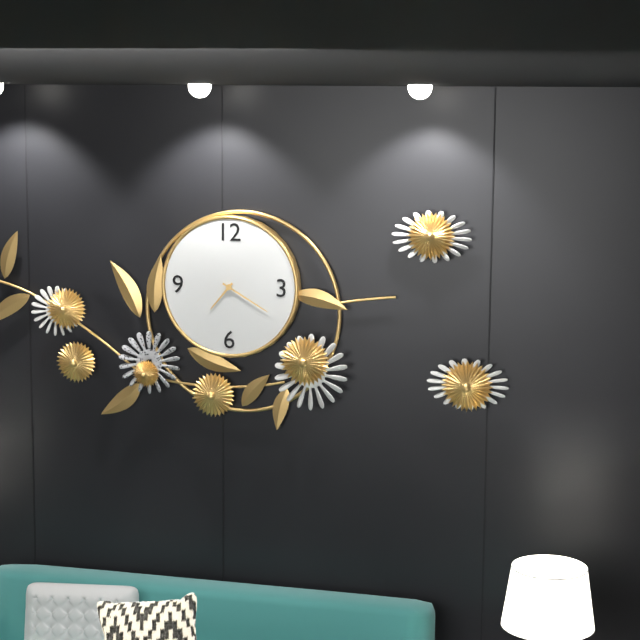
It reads 7 h 20 min
